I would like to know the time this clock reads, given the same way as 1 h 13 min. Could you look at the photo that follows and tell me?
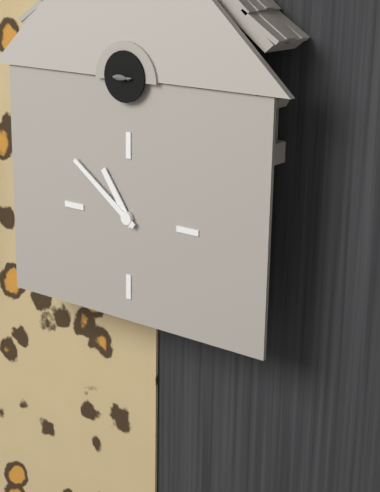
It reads 10 h 51 min
